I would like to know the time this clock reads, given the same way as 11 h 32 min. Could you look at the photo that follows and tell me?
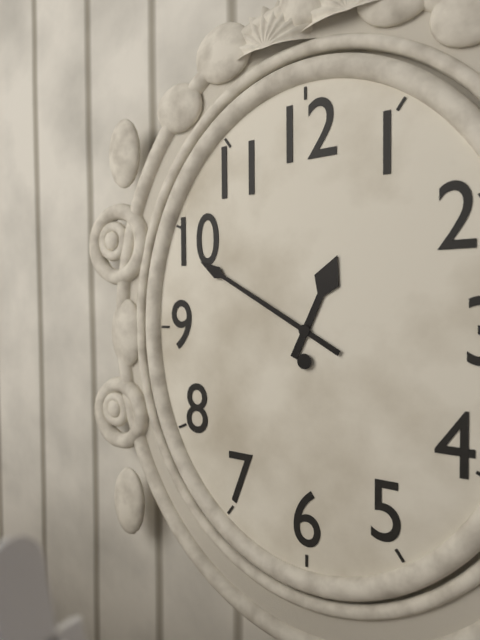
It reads 12 h 50 min
